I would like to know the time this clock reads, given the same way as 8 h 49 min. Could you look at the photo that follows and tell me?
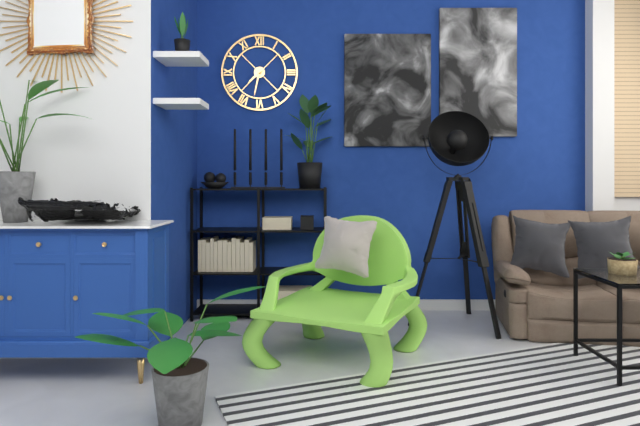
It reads 7 h 32 min
